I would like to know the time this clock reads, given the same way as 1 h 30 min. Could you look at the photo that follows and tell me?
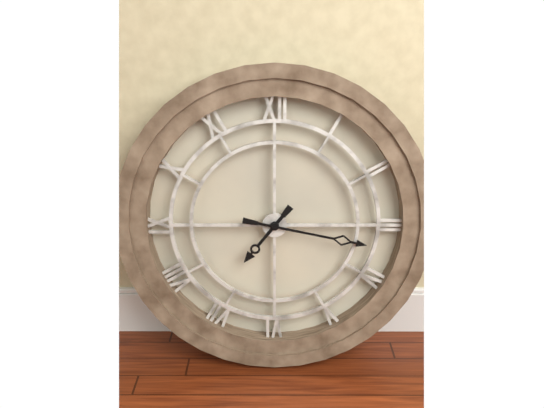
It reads 7 h 17 min
